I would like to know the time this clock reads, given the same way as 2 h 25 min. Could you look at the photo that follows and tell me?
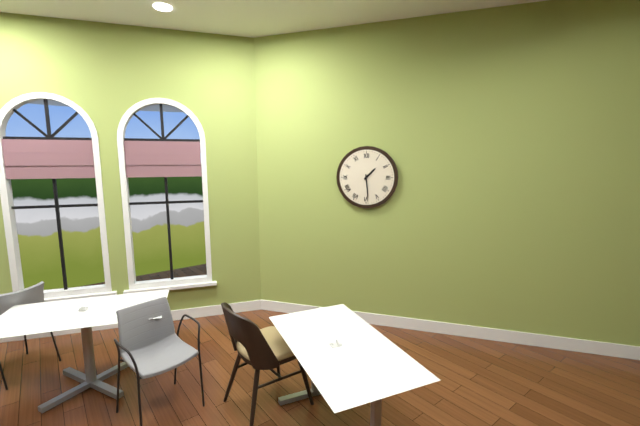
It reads 1 h 29 min
